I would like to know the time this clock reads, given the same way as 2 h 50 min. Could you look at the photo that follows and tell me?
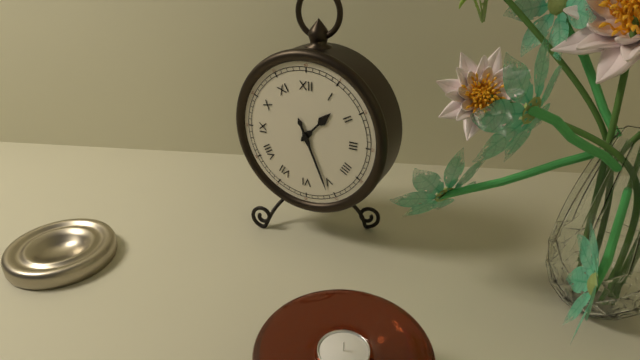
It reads 1 h 26 min
